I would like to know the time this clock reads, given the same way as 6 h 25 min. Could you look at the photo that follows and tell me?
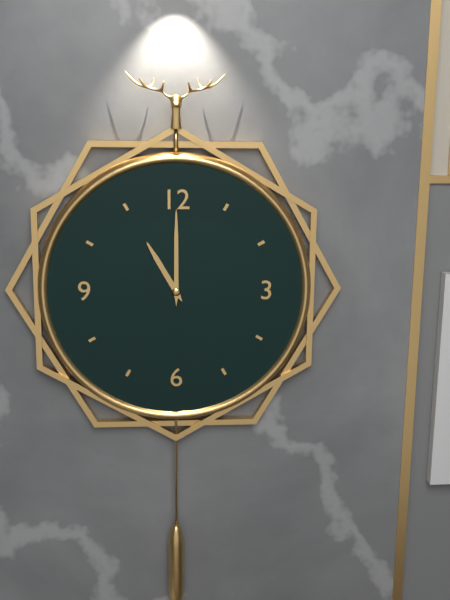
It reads 11 h 00 min
